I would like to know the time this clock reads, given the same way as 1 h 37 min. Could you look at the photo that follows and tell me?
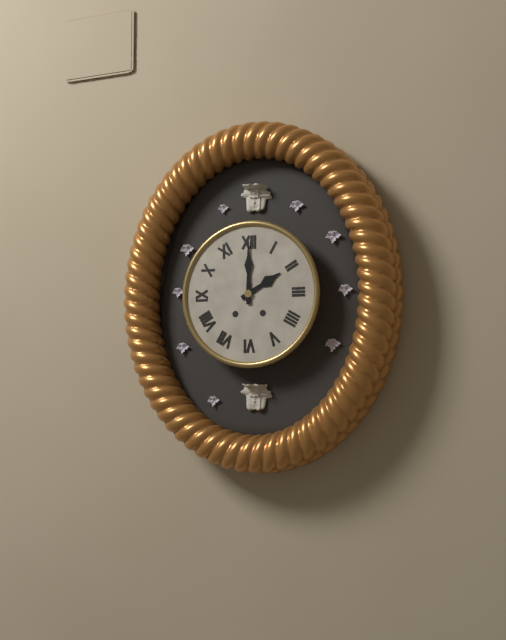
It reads 2 h 00 min
